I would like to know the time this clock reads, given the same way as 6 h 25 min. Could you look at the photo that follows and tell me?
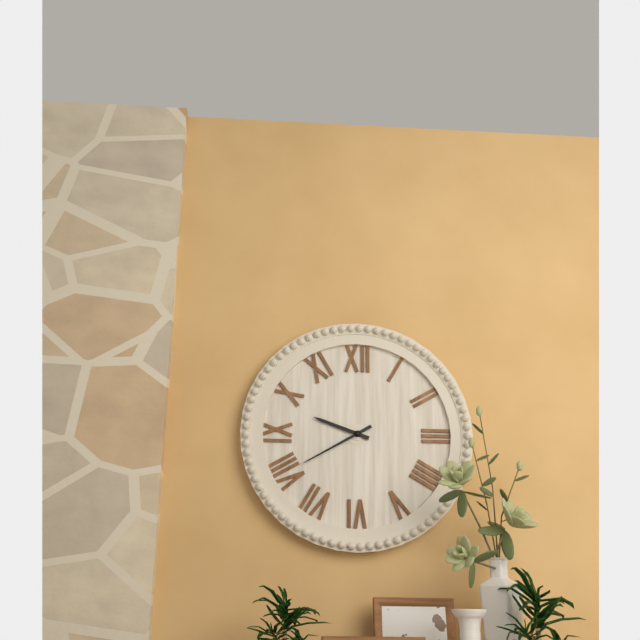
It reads 9 h 40 min
